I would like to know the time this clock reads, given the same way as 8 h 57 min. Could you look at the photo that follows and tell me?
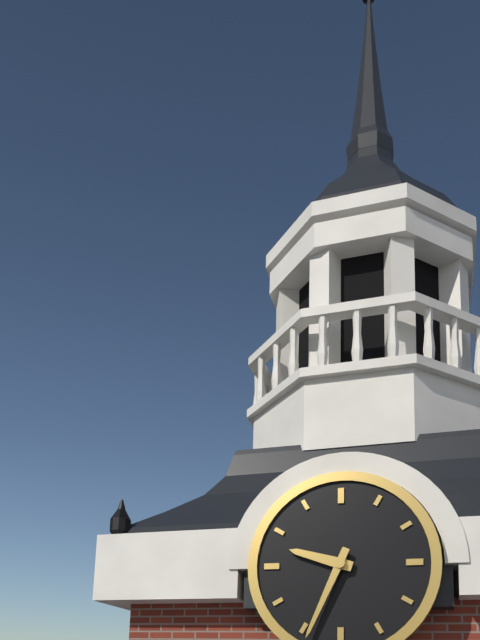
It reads 9 h 34 min
